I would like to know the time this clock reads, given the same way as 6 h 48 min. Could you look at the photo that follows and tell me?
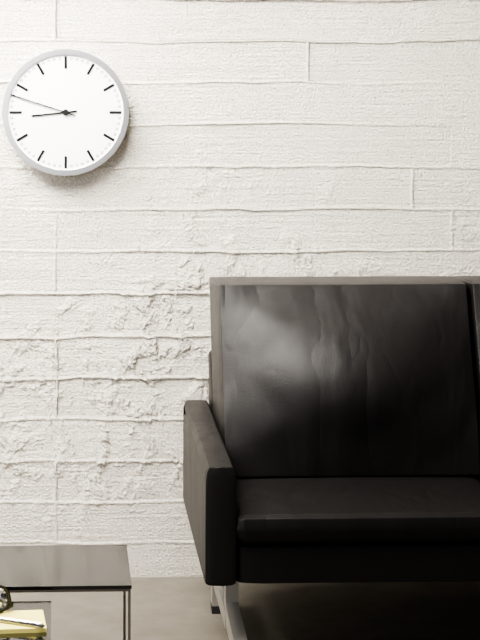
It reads 8 h 48 min
